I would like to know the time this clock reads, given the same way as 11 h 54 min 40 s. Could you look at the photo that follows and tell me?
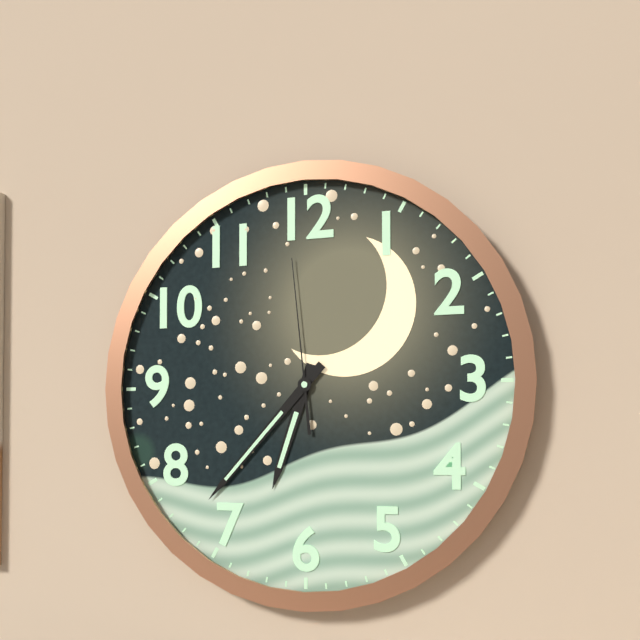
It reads 6 h 37 min 59 s
